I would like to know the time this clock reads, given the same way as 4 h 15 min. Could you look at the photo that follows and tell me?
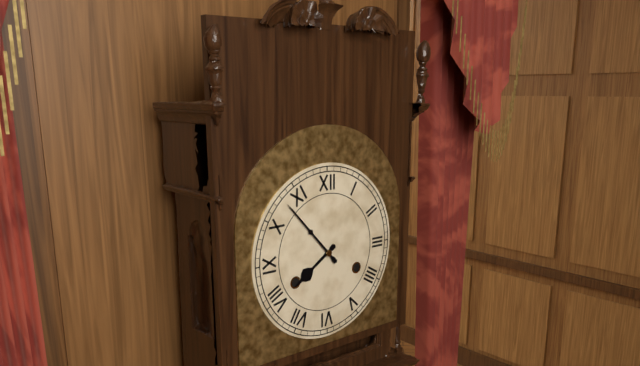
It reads 7 h 53 min
